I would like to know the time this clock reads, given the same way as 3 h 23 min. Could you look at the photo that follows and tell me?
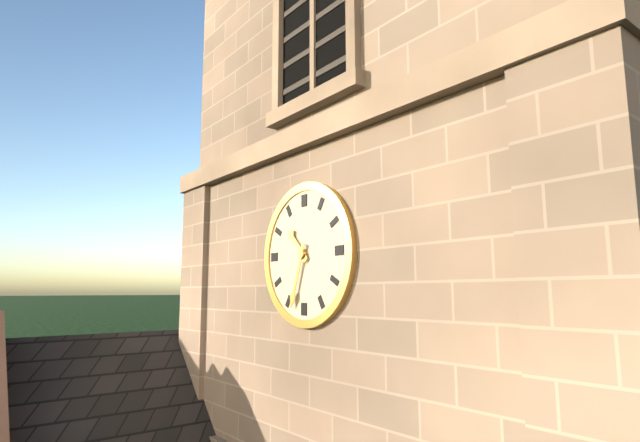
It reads 10 h 33 min
